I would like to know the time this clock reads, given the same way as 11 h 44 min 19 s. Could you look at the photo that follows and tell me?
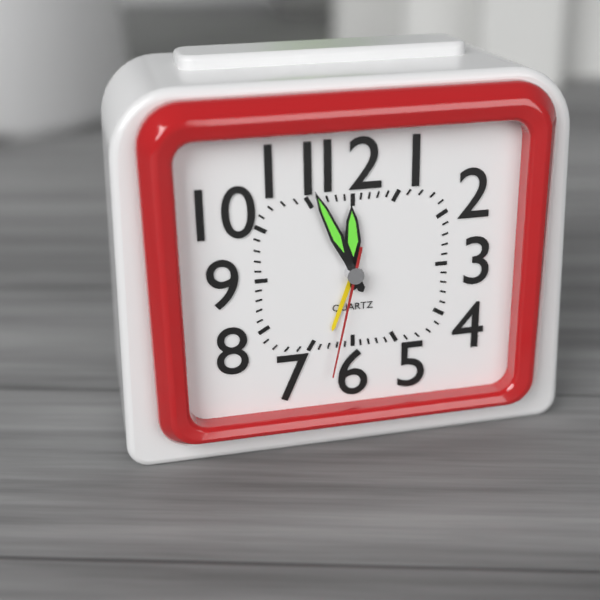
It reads 11 h 56 min 32 s
